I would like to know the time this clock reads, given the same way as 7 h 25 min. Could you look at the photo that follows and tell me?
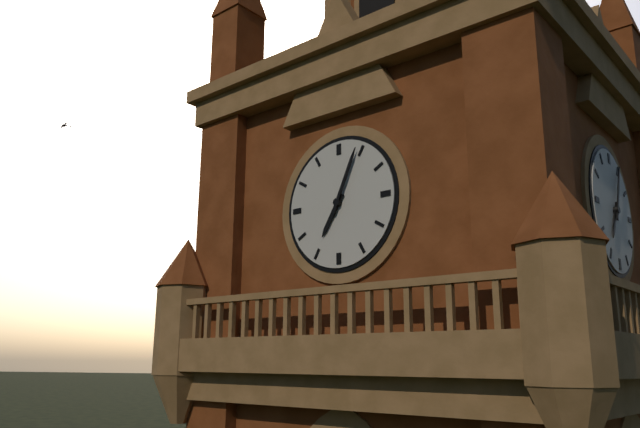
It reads 7 h 04 min
